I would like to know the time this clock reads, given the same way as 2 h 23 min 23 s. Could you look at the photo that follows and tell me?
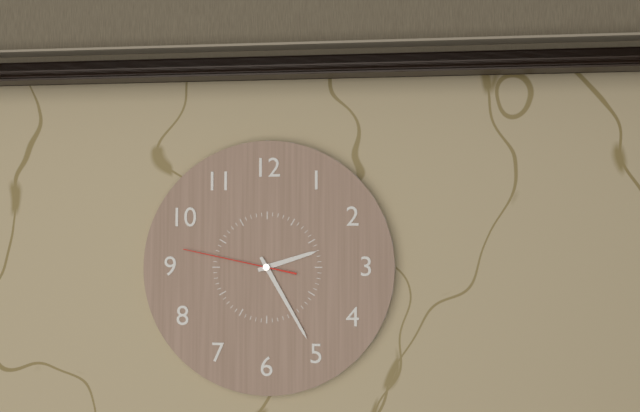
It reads 2 h 25 min 47 s
